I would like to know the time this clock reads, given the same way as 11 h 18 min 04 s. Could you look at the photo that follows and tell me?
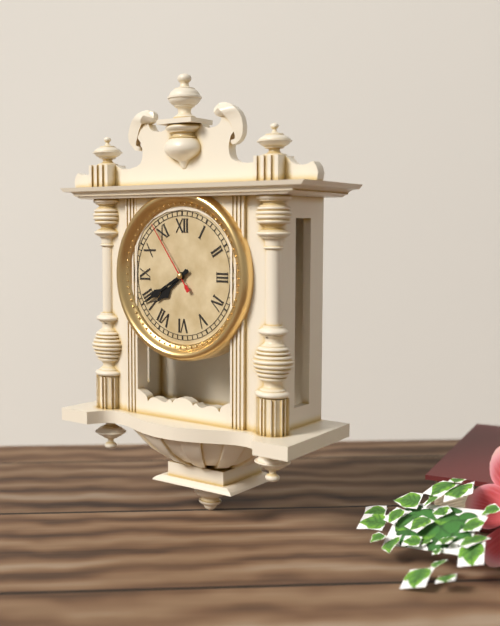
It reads 7 h 40 min 54 s
